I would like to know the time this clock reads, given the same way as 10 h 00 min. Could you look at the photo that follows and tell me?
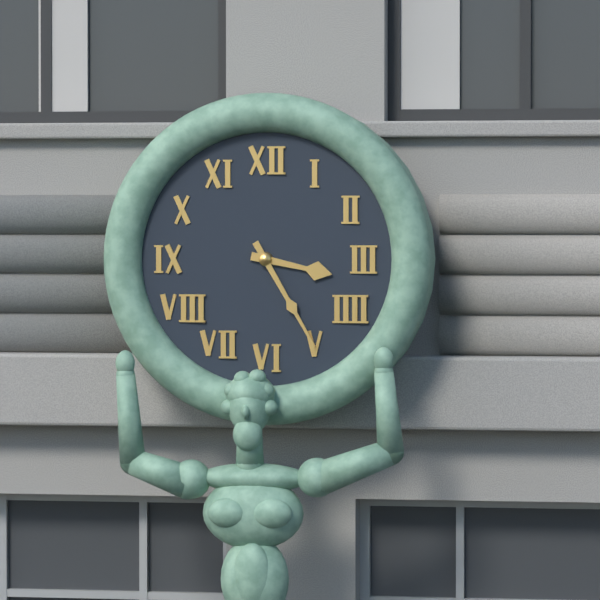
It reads 3 h 25 min
